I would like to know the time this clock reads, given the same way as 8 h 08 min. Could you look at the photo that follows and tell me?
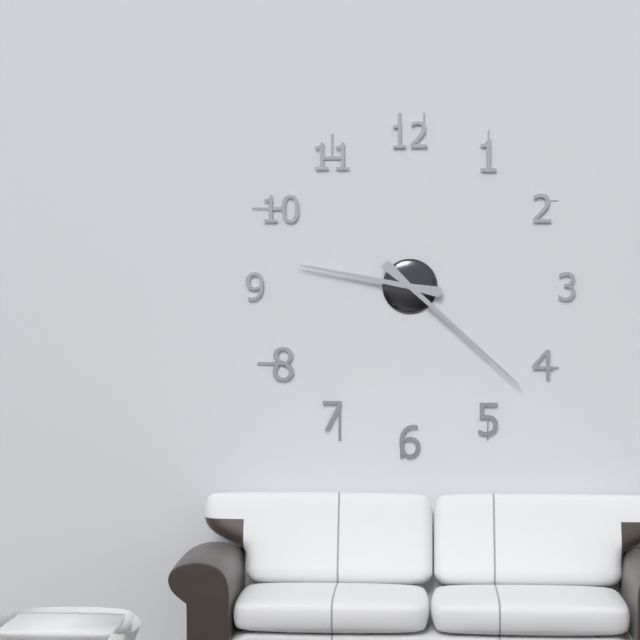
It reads 9 h 22 min
